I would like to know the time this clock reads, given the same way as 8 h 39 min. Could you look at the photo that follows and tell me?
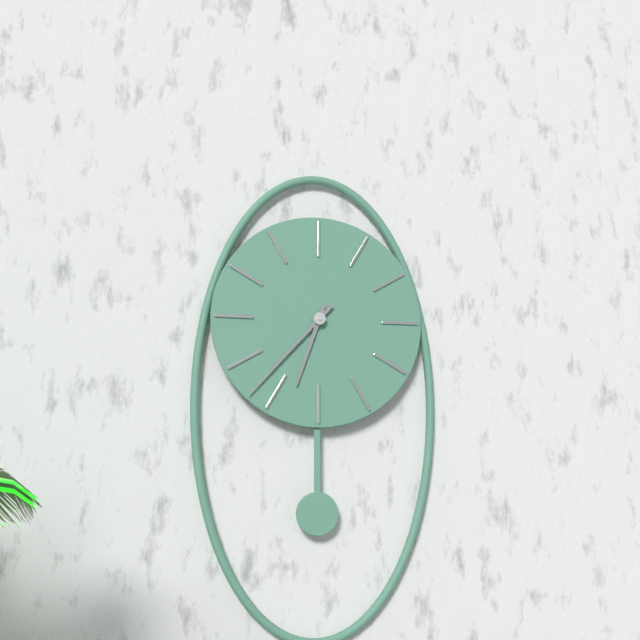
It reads 6 h 37 min
